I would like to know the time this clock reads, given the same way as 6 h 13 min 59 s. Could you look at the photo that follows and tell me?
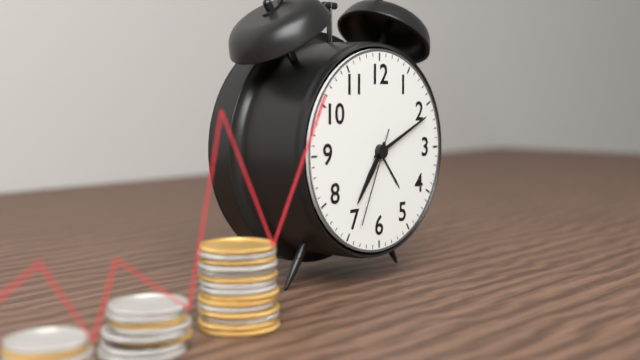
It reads 7 h 11 min 34 s
